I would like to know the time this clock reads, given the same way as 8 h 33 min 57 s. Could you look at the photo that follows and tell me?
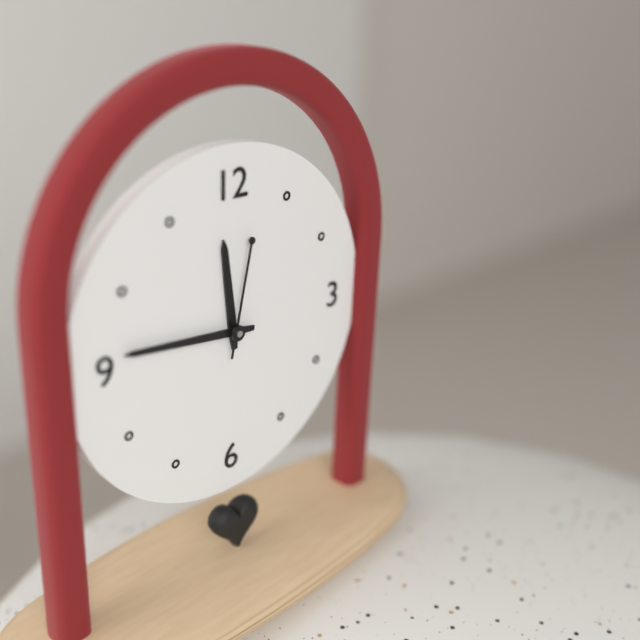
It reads 11 h 46 min 02 s
